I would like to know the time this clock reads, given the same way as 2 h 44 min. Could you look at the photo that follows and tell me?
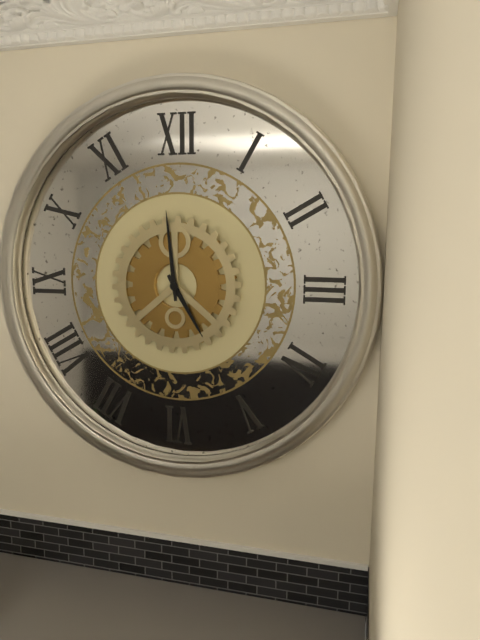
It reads 4 h 59 min
